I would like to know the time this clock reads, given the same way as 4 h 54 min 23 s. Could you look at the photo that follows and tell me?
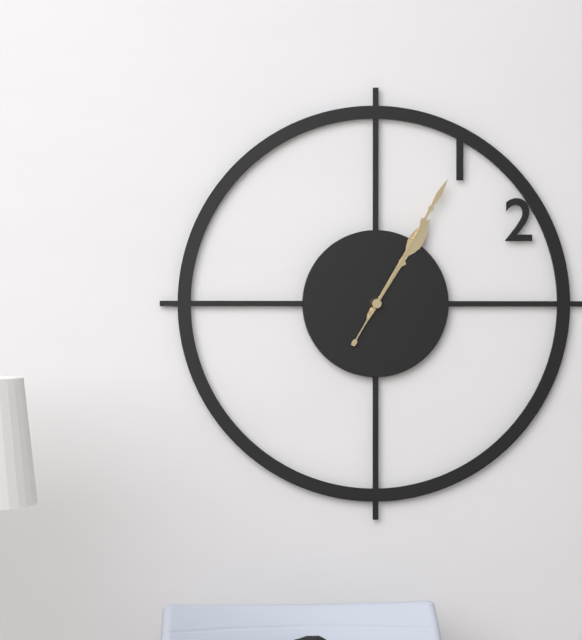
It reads 1 h 05 min 05 s
